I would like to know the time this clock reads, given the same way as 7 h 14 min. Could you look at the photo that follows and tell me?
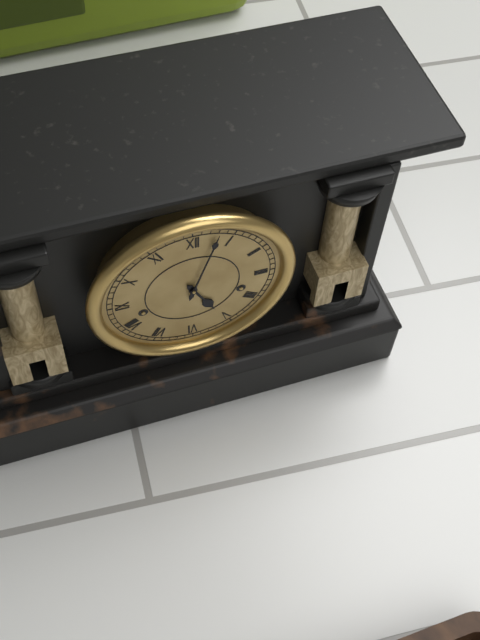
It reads 5 h 03 min
